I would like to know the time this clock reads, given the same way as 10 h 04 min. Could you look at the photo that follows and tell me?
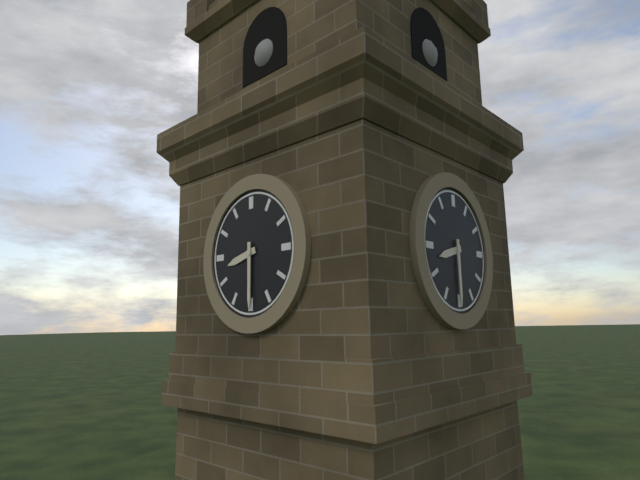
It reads 8 h 30 min
